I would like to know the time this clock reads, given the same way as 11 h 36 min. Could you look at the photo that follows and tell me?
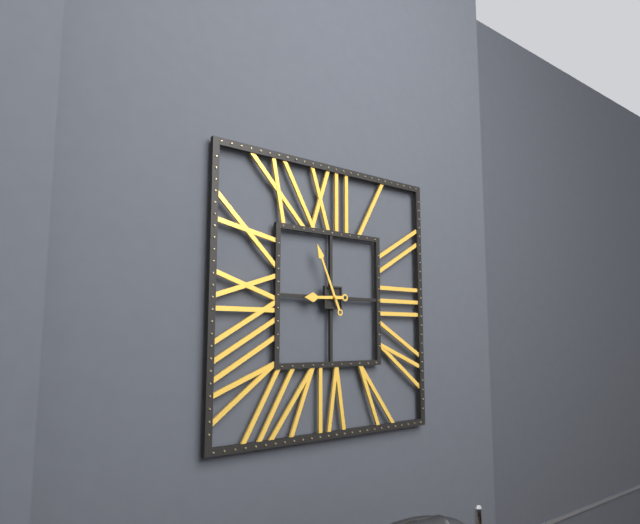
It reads 8 h 56 min
